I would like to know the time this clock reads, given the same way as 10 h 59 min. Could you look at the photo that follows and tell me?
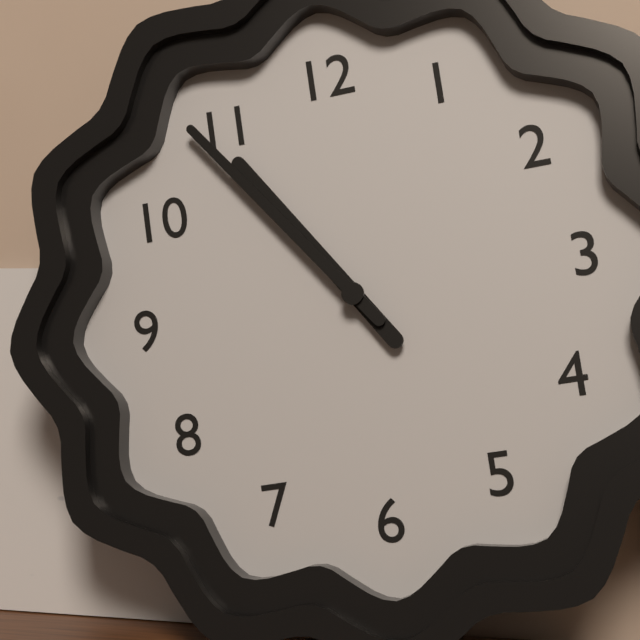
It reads 10 h 54 min
